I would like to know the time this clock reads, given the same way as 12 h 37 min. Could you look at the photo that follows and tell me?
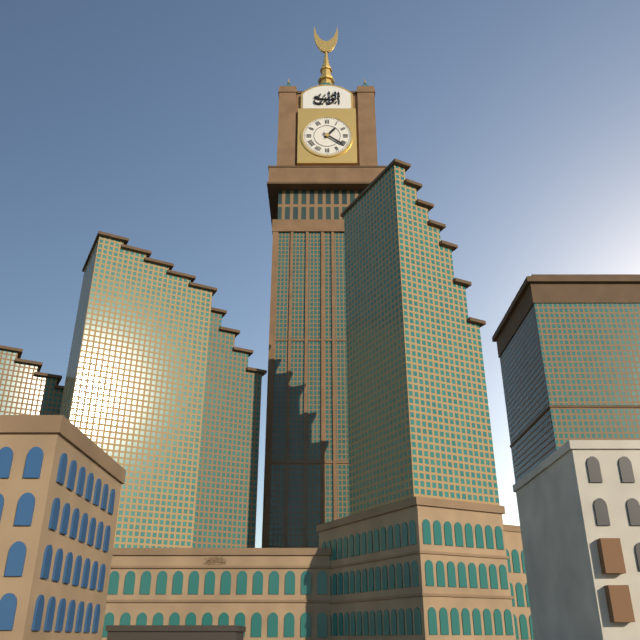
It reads 1 h 21 min
